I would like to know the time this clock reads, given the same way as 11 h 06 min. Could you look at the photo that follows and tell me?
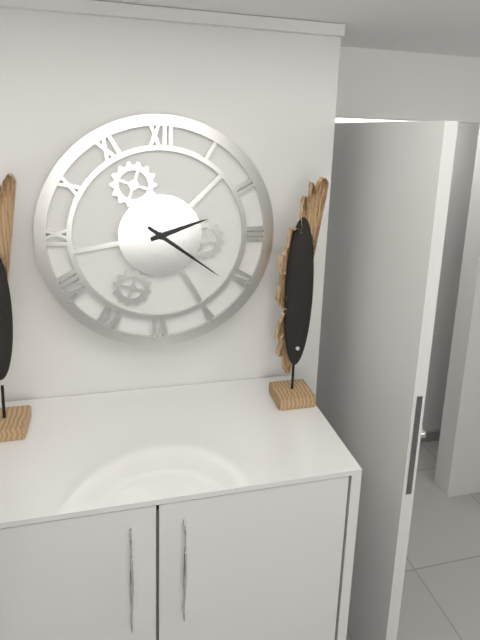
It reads 2 h 21 min
